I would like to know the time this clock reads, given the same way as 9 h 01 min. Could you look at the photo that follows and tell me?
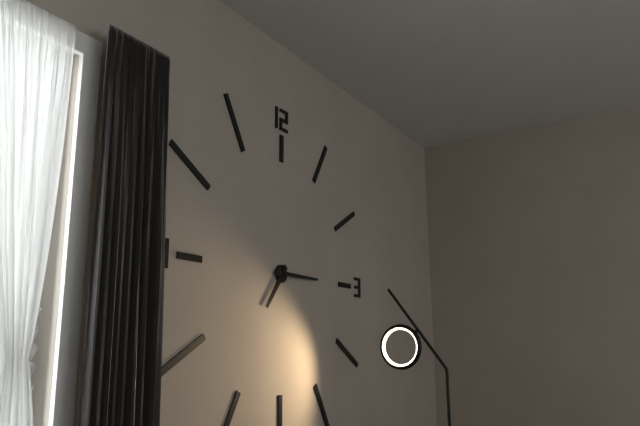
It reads 7 h 15 min
